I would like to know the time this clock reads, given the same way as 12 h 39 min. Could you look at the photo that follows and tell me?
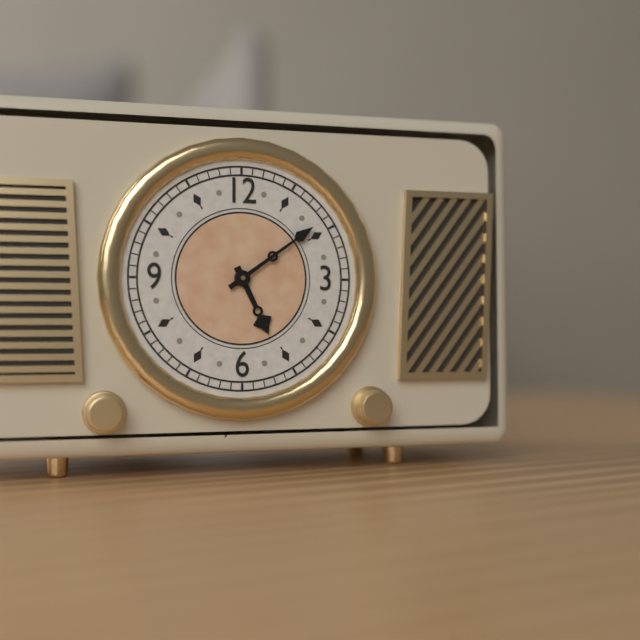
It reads 5 h 09 min
